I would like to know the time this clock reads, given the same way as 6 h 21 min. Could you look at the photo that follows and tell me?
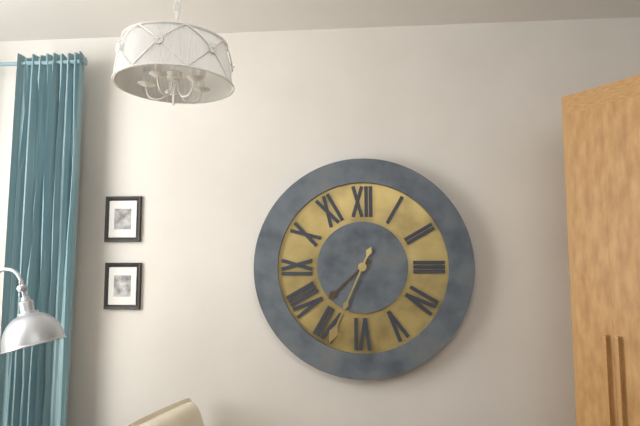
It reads 7 h 34 min
